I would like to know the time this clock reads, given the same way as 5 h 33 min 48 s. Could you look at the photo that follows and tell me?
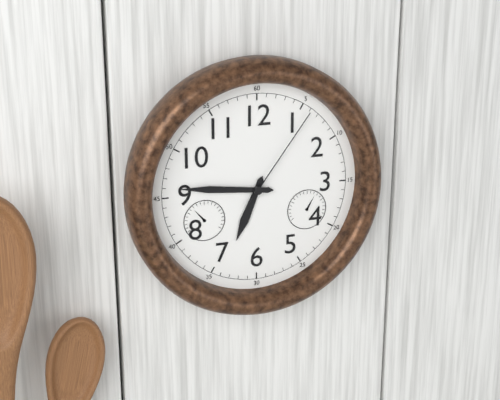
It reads 6 h 46 min 06 s
